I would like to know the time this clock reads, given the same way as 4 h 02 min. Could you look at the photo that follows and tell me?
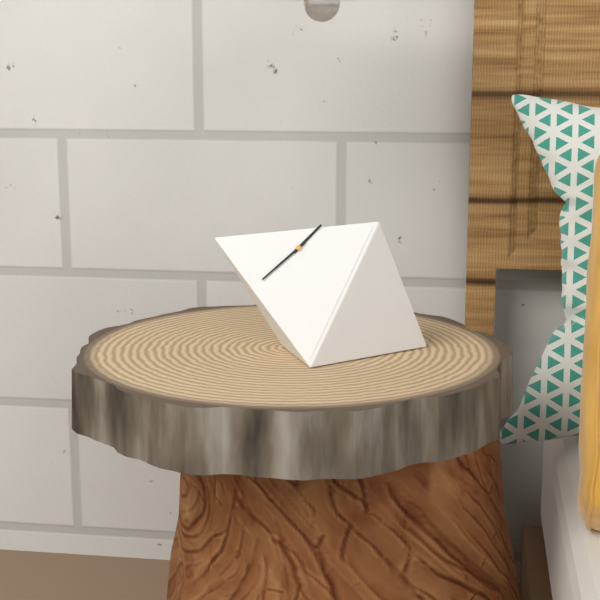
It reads 1 h 39 min
